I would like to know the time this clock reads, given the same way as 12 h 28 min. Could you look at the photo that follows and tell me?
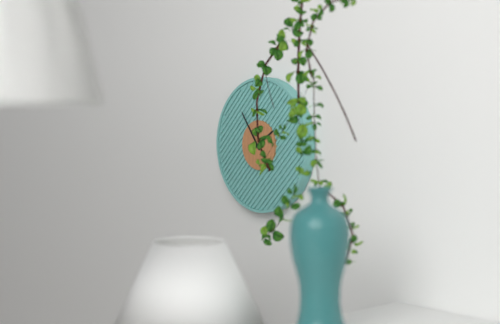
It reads 1 h 54 min
